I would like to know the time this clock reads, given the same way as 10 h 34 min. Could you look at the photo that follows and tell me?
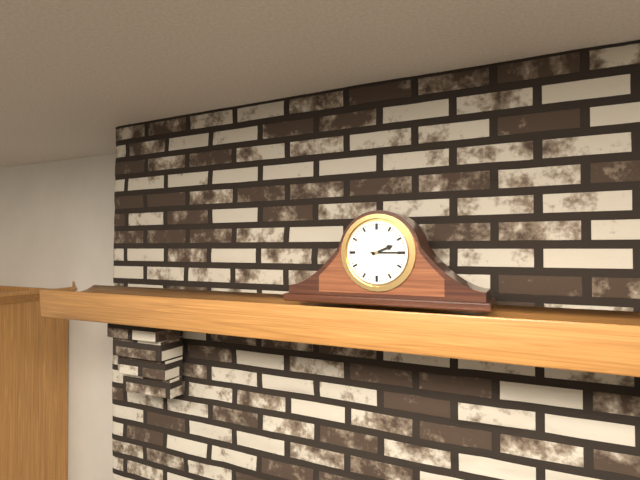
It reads 2 h 15 min
